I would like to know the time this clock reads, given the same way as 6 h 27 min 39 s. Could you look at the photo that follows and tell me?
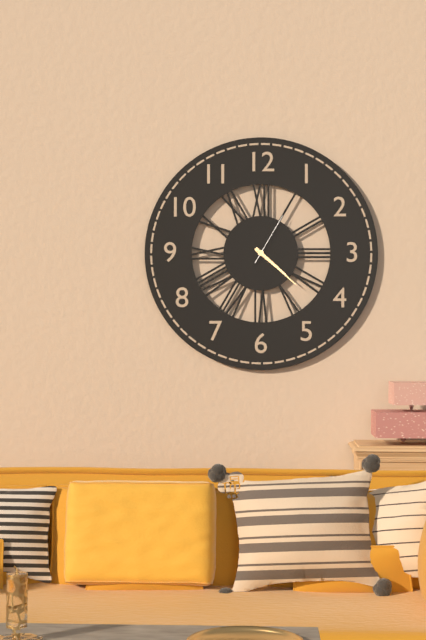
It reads 4 h 22 min 05 s
